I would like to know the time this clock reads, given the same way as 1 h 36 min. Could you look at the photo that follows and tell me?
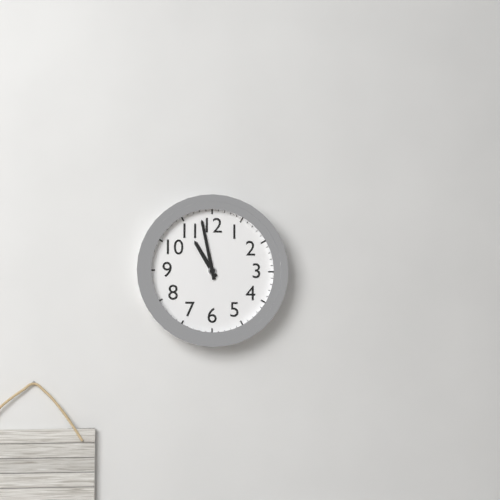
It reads 10 h 58 min
